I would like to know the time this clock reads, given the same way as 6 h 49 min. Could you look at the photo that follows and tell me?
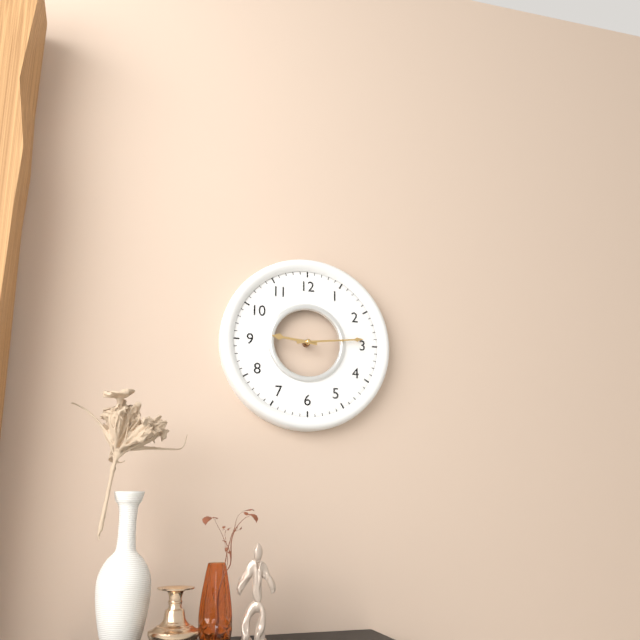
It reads 9 h 14 min
